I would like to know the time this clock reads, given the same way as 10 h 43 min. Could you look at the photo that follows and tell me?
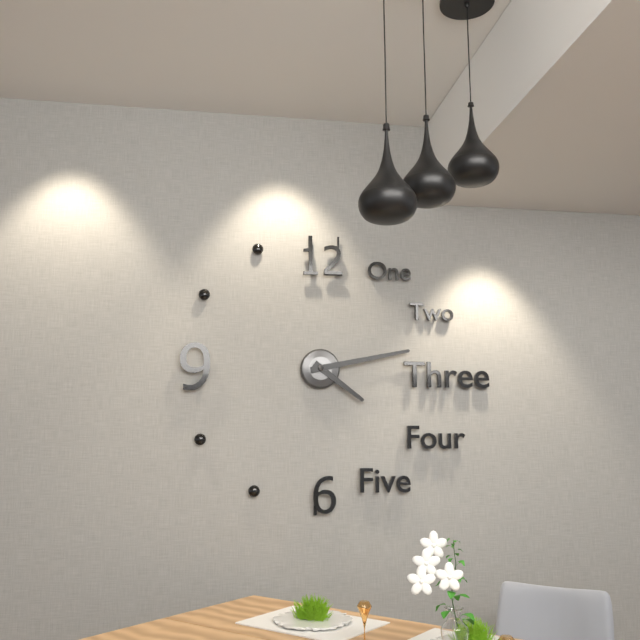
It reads 4 h 13 min
